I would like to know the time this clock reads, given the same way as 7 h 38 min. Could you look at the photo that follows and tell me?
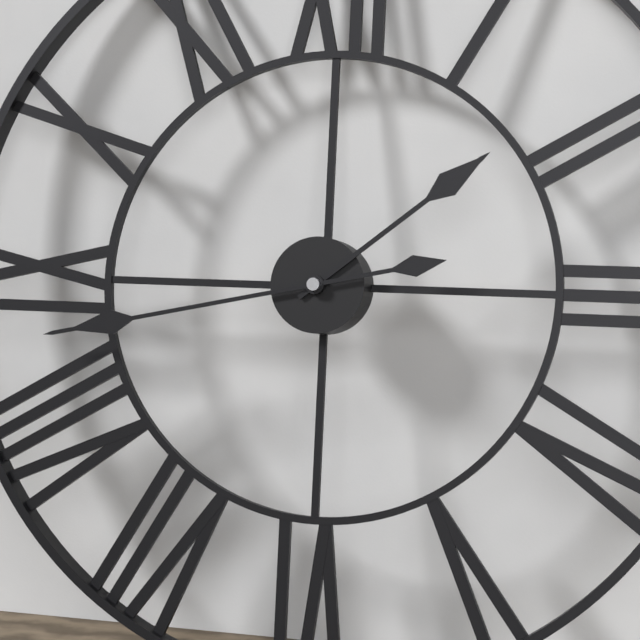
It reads 1 h 43 min
